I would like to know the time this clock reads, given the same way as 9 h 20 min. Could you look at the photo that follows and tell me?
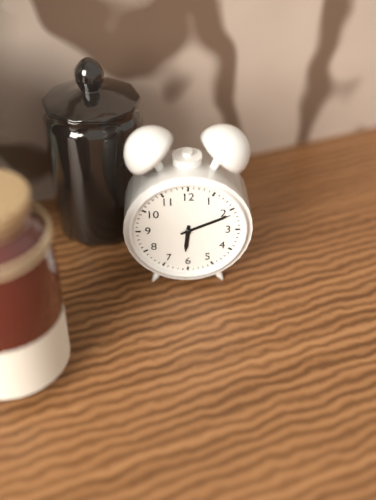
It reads 6 h 11 min
